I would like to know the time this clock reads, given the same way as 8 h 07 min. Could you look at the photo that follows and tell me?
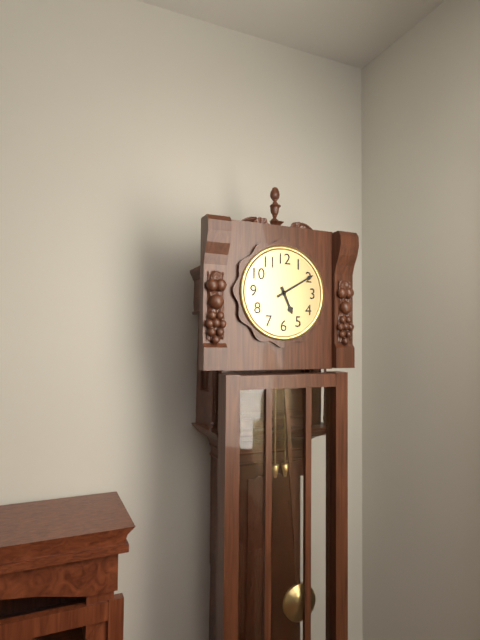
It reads 5 h 10 min
